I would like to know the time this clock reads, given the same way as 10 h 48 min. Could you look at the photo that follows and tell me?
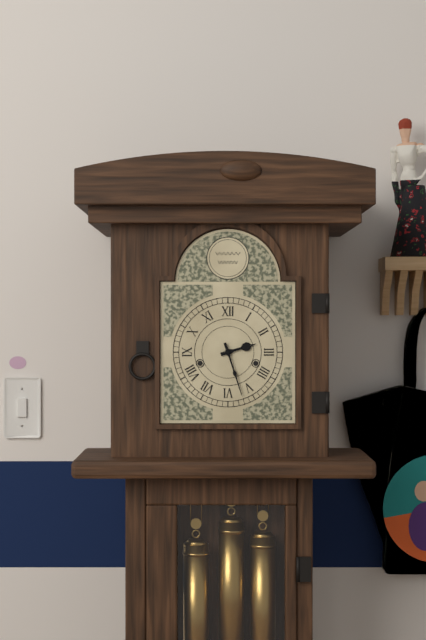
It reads 2 h 27 min
